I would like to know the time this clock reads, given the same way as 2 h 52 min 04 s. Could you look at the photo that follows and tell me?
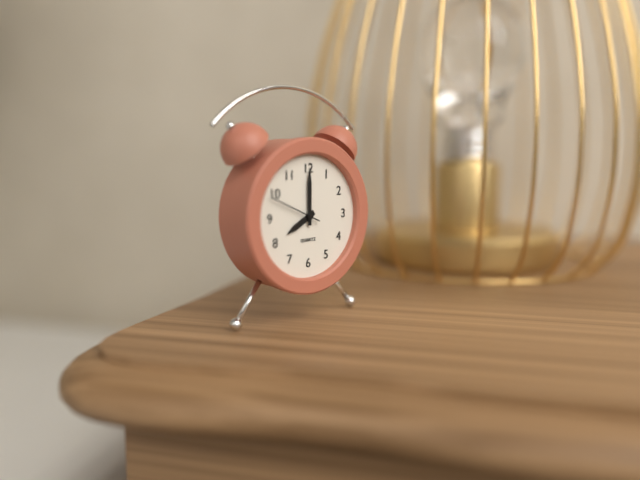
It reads 8 h 00 min 49 s
